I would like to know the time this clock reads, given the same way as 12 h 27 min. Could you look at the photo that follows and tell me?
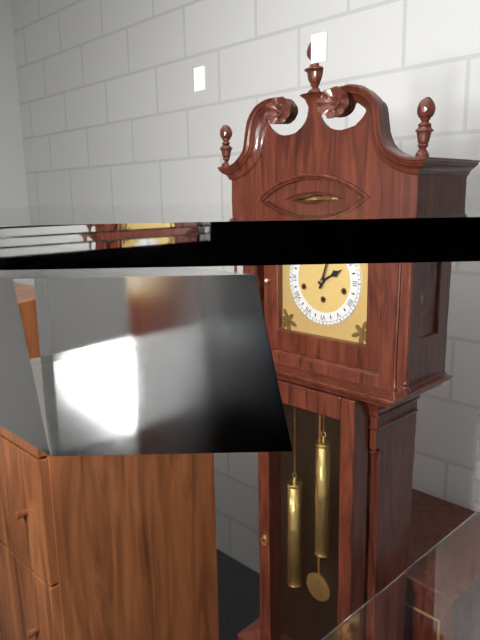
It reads 2 h 03 min
